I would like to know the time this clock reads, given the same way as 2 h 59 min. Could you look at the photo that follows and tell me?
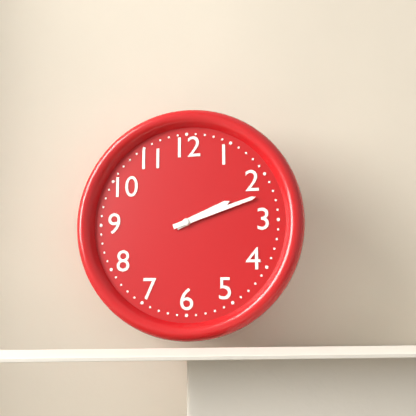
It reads 2 h 12 min
